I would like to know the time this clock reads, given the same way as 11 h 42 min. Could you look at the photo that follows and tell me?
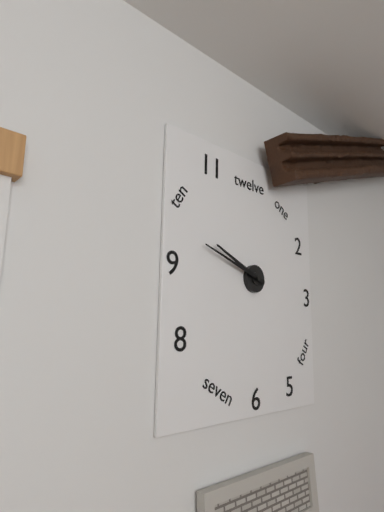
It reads 9 h 48 min
